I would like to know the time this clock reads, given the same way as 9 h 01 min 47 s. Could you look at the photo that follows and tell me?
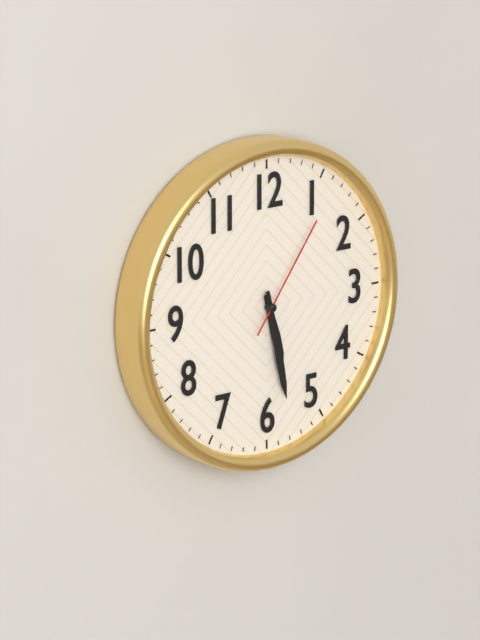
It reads 5 h 28 min 06 s
